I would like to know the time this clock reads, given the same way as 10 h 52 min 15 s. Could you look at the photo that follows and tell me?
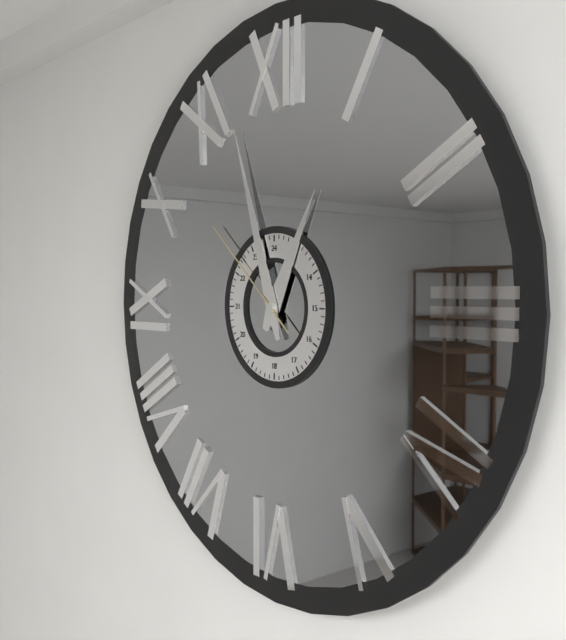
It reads 12 h 57 min 52 s
